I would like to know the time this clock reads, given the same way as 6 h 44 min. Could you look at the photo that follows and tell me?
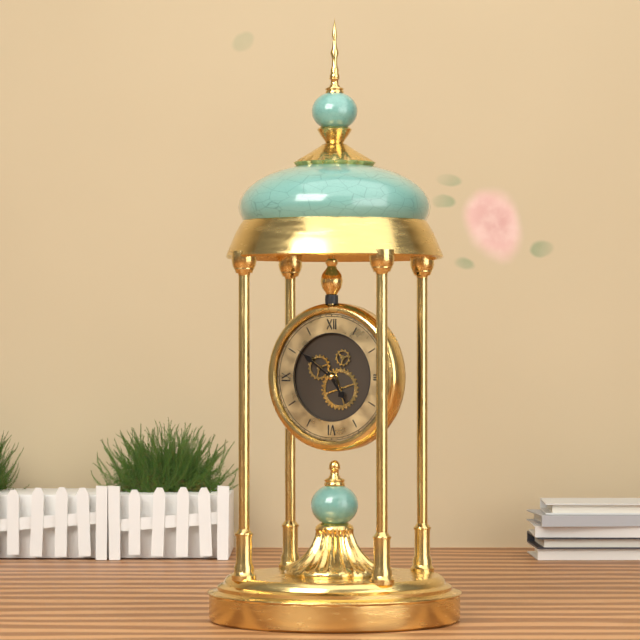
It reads 4 h 51 min
